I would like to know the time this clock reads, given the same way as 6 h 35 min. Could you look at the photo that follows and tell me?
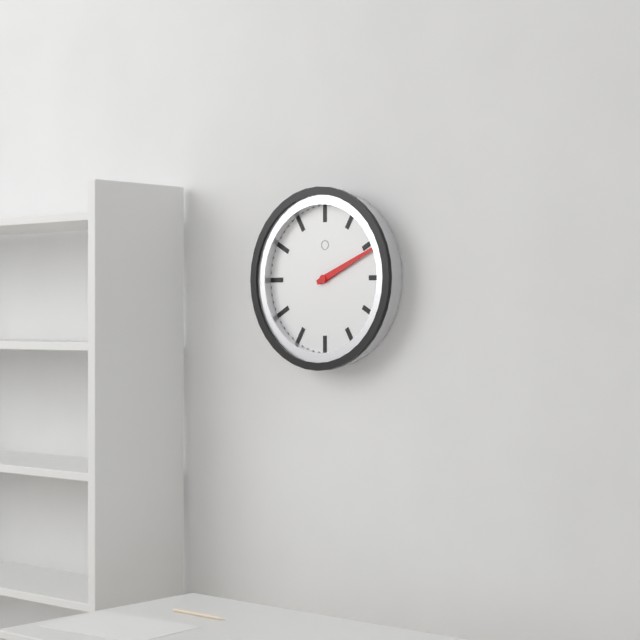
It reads 2 h 11 min
